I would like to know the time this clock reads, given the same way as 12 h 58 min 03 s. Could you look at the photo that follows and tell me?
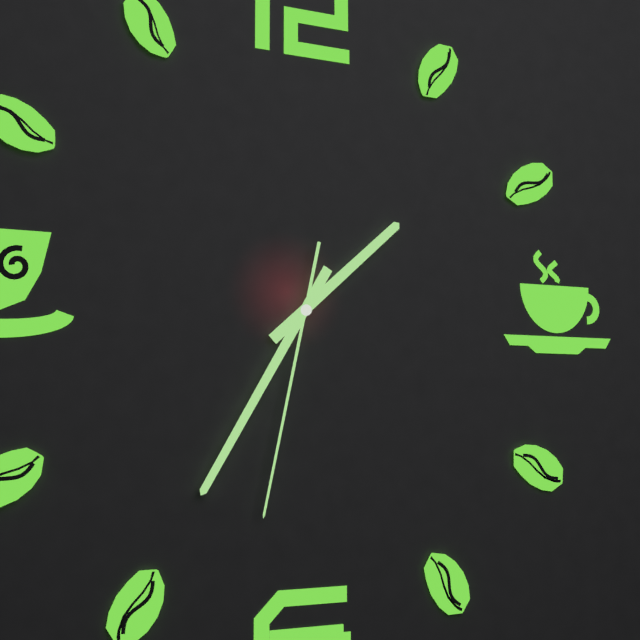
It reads 1 h 35 min 32 s
